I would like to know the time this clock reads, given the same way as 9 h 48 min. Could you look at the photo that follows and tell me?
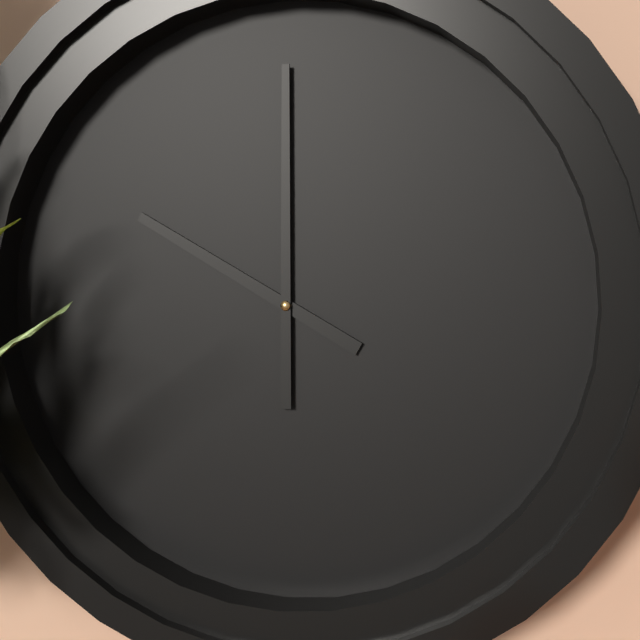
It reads 10 h 00 min
